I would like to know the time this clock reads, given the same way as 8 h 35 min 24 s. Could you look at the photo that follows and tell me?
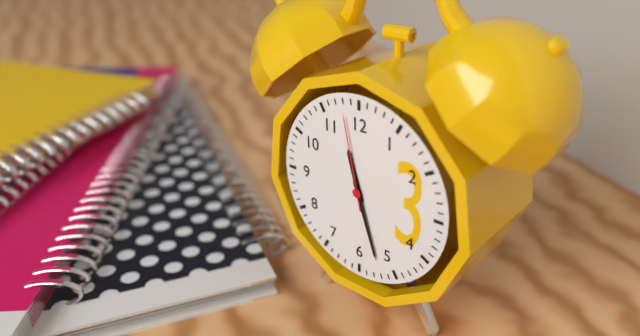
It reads 11 h 27 min 58 s
